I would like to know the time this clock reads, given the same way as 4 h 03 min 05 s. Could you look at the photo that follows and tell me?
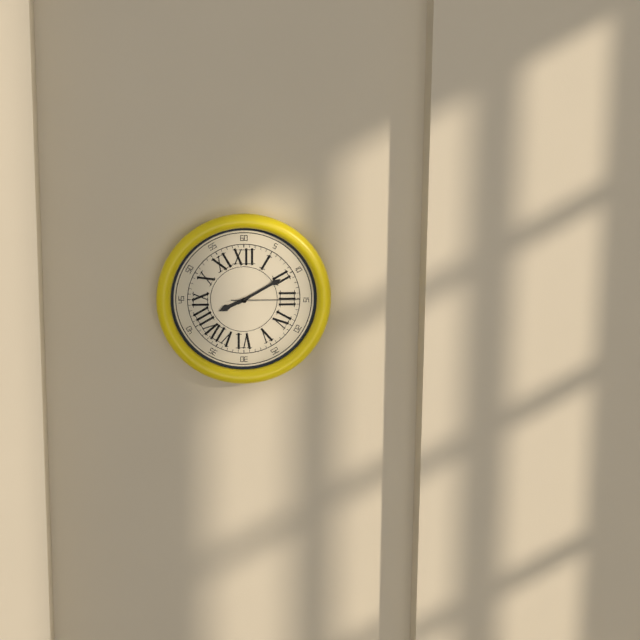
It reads 8 h 10 min 15 s
